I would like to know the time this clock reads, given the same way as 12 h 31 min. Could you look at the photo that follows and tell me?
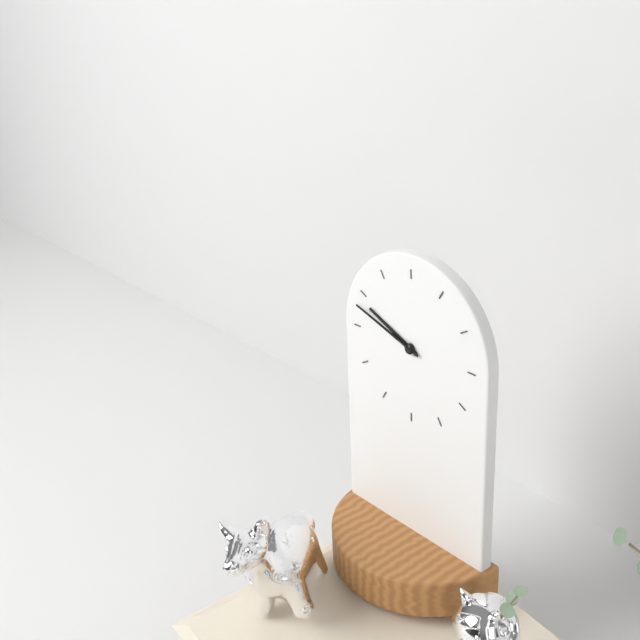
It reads 9 h 48 min
